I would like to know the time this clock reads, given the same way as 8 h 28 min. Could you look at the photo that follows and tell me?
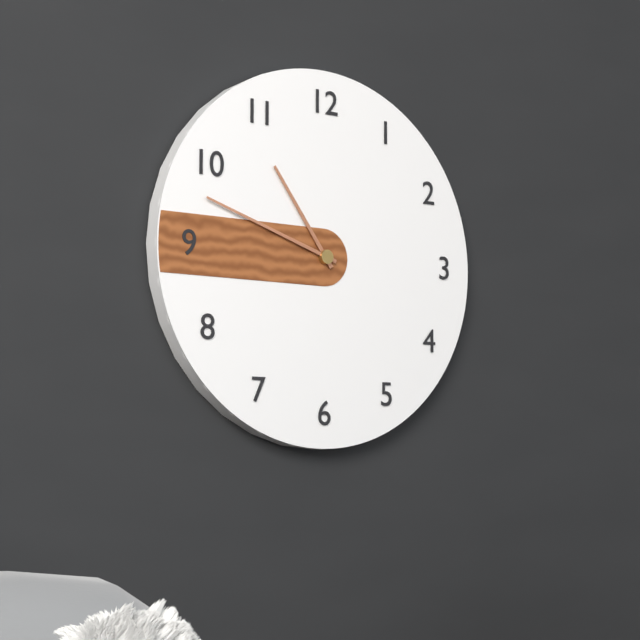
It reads 10 h 48 min
